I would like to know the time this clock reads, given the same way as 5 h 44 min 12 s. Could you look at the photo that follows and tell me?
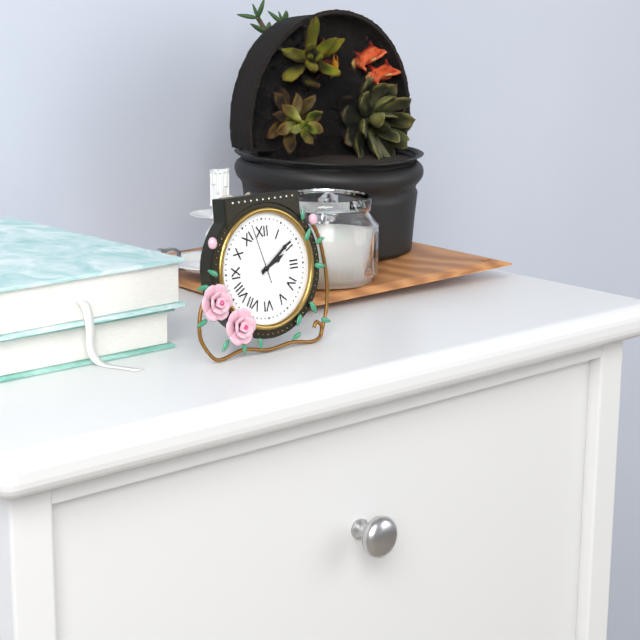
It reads 2 h 09 min 57 s
